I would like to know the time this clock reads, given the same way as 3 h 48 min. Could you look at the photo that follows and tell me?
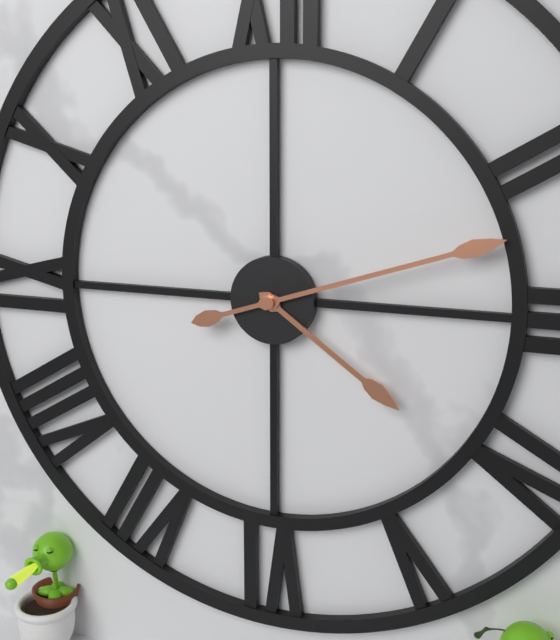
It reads 4 h 12 min
